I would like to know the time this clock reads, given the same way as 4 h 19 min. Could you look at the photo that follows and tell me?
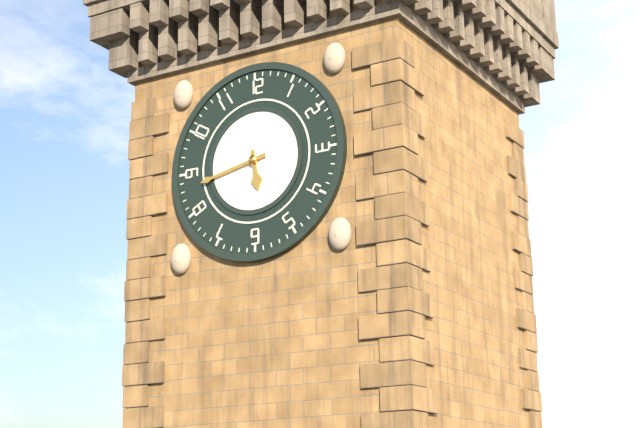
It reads 5 h 43 min
